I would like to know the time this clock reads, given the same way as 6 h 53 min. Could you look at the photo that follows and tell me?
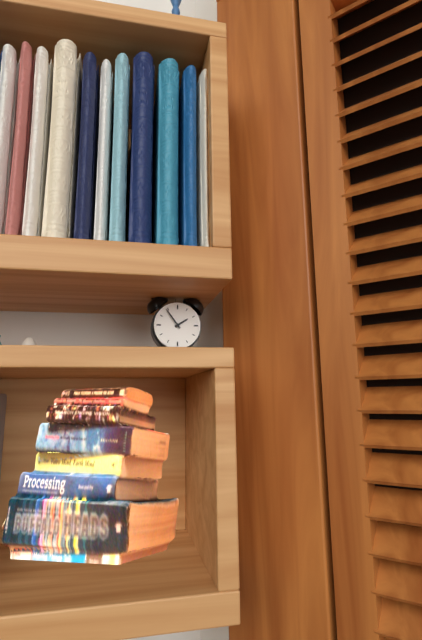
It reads 1 h 54 min
